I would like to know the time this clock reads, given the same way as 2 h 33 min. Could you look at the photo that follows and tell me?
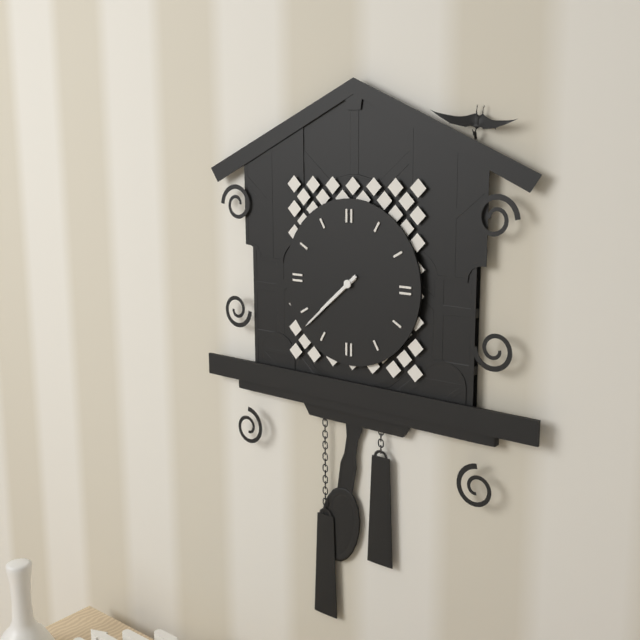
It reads 7 h 38 min
